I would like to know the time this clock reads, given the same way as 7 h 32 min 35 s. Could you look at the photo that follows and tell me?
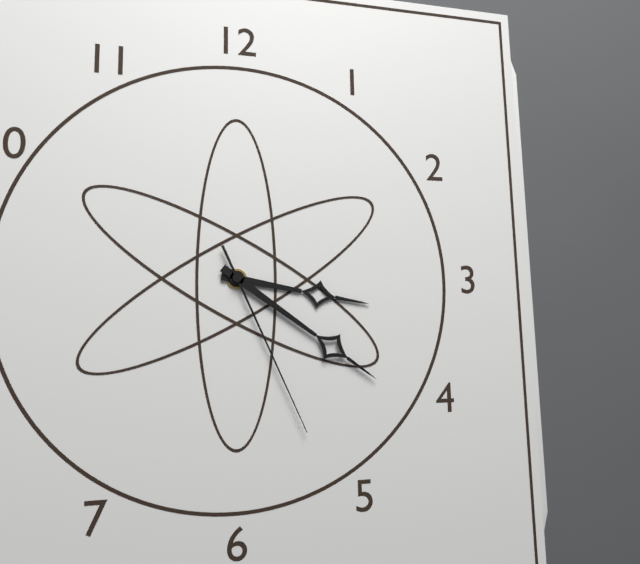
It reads 3 h 21 min 26 s
